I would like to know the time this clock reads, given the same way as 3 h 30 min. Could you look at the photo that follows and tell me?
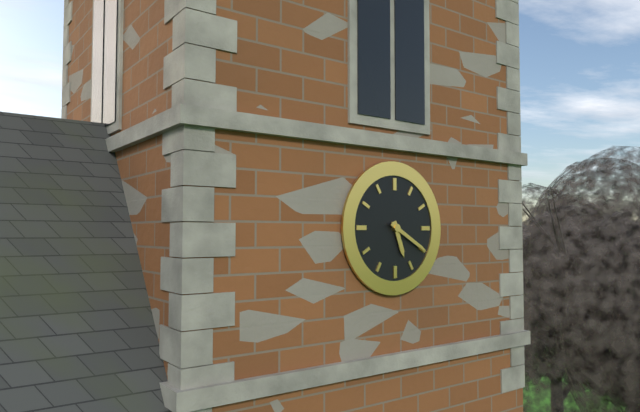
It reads 5 h 20 min
